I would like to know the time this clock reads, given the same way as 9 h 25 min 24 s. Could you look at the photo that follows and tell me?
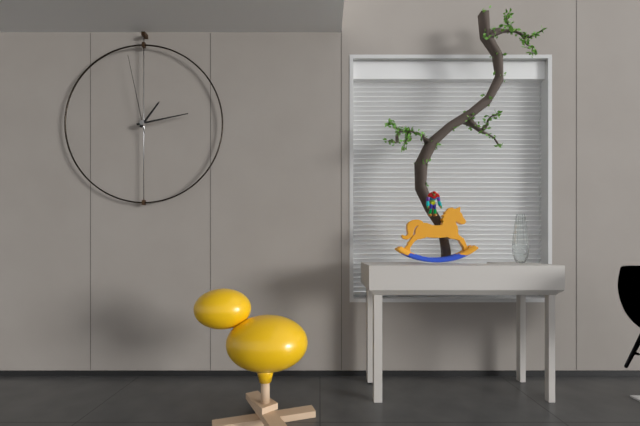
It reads 1 h 13 min 58 s
